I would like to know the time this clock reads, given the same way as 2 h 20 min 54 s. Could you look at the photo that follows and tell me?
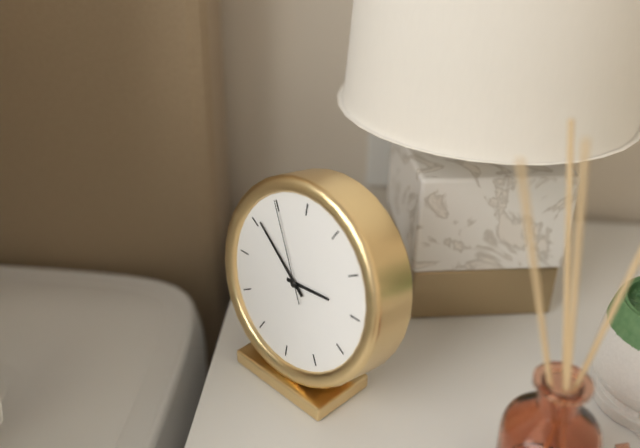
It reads 2 h 51 min 55 s
